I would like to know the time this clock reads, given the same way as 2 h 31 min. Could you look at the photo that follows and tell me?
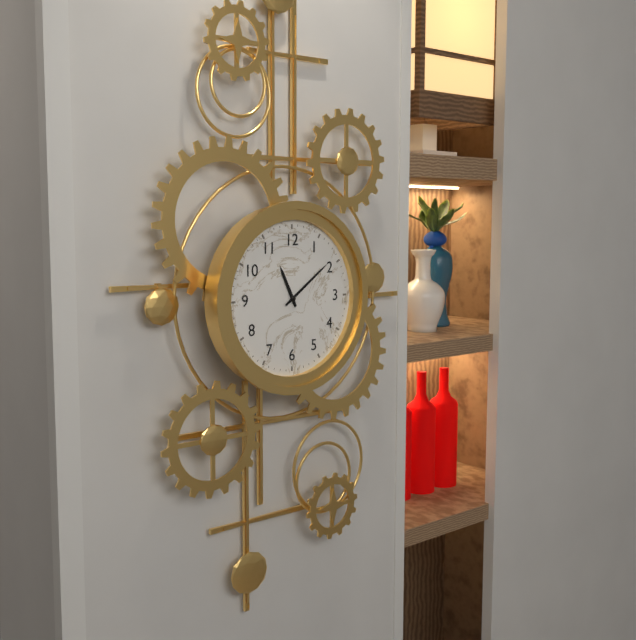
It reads 11 h 09 min
